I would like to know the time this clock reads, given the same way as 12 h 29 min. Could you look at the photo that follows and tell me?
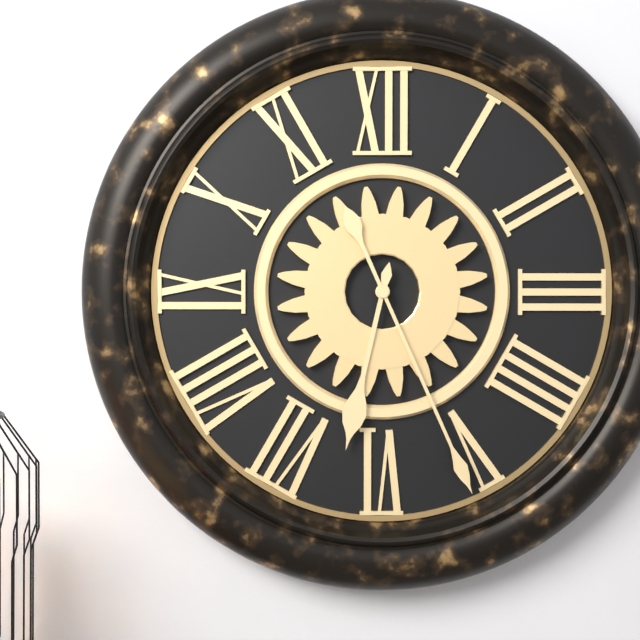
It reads 6 h 26 min
